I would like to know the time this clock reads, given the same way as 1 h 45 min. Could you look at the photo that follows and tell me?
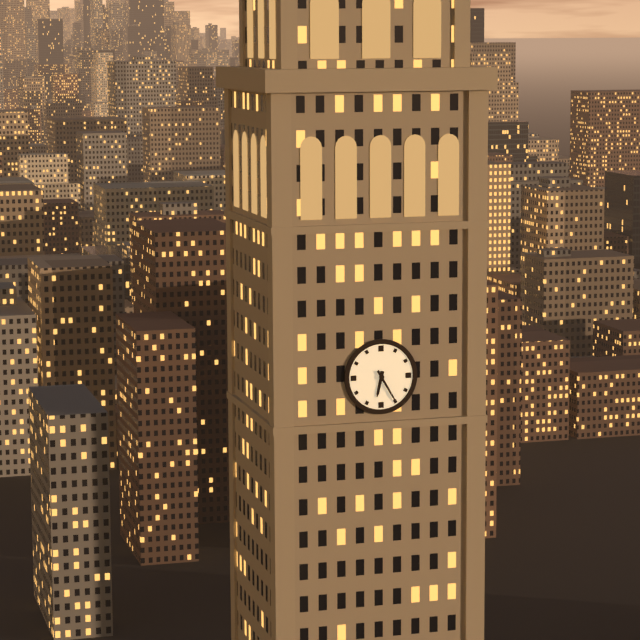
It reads 6 h 25 min
